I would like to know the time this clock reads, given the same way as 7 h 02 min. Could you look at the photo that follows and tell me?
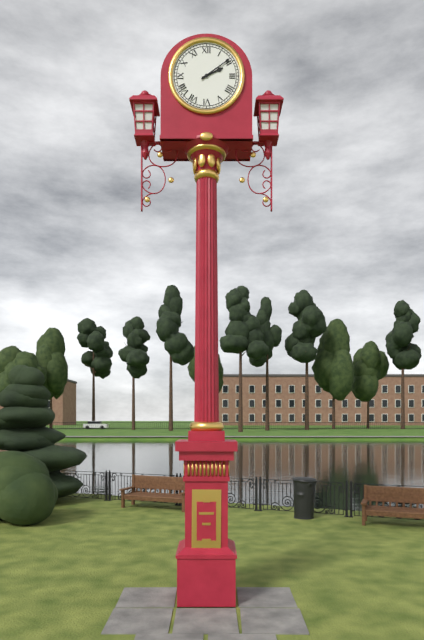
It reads 2 h 09 min
